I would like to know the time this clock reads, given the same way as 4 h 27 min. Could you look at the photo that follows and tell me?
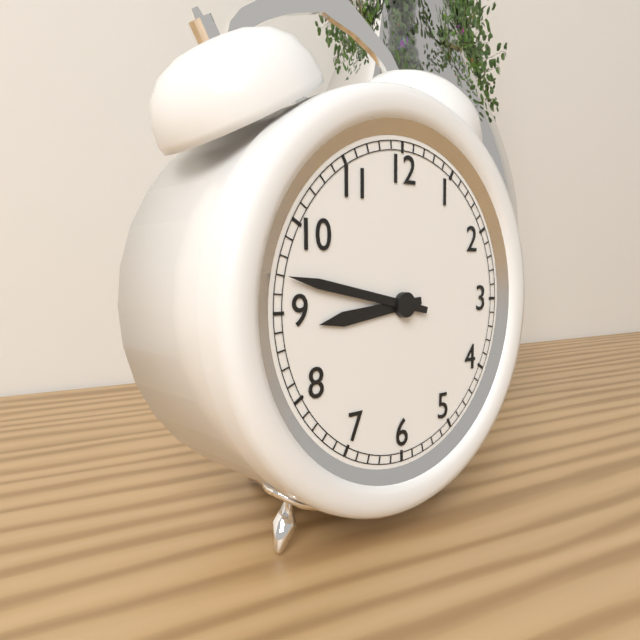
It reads 8 h 47 min
